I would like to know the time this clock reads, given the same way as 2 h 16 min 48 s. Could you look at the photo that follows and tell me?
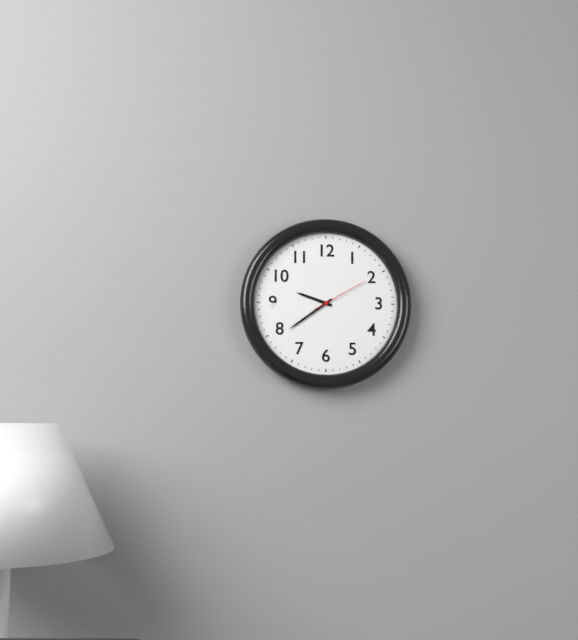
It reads 9 h 39 min 10 s
